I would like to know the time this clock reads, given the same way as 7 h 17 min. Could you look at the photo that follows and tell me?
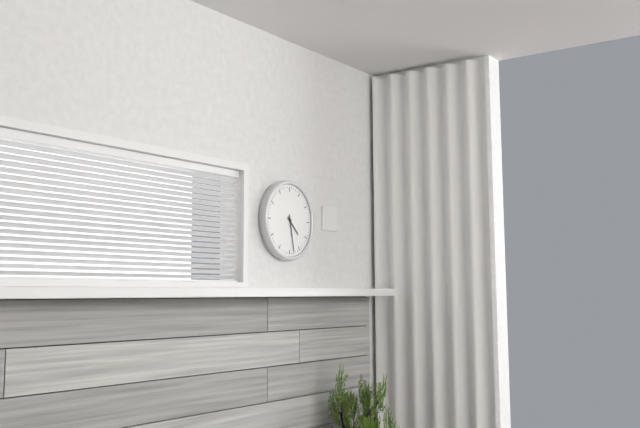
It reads 4 h 28 min
